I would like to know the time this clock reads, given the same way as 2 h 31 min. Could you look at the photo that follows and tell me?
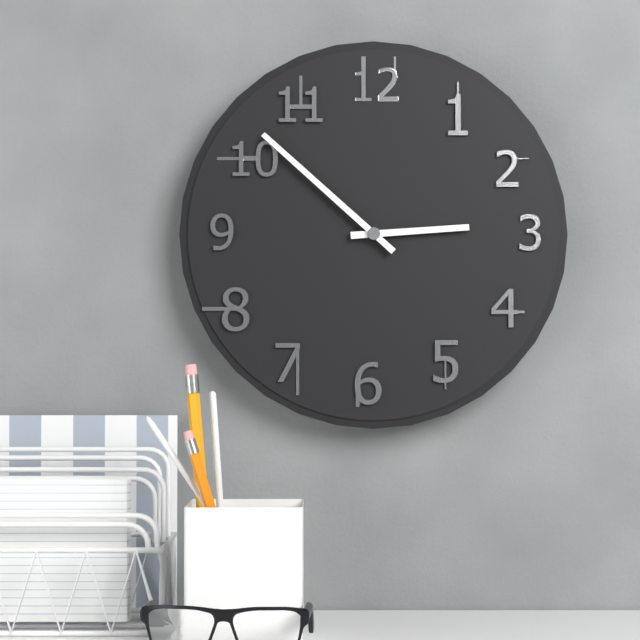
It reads 2 h 52 min
